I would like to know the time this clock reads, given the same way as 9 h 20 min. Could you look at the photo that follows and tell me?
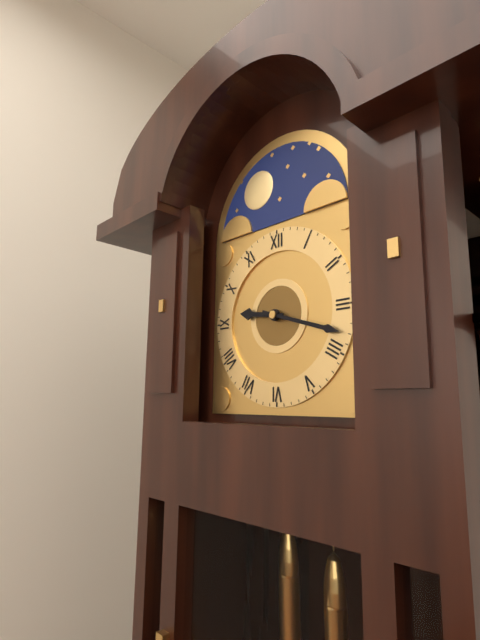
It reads 9 h 18 min
